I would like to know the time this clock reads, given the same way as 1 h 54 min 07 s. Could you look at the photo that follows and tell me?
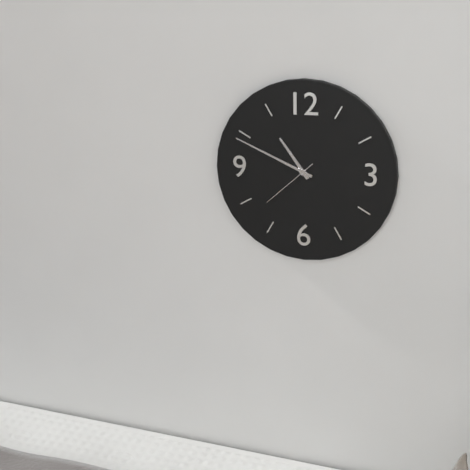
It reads 10 h 49 min 38 s
